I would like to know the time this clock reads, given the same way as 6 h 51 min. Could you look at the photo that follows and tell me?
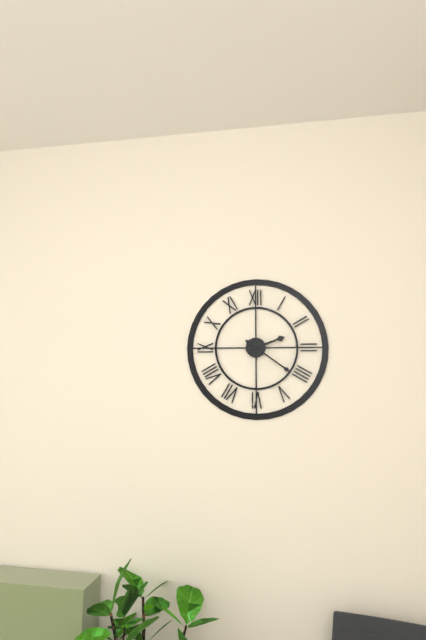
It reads 2 h 21 min
